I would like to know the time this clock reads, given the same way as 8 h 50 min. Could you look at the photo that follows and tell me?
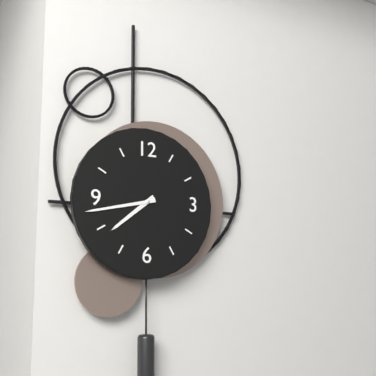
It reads 7 h 43 min
